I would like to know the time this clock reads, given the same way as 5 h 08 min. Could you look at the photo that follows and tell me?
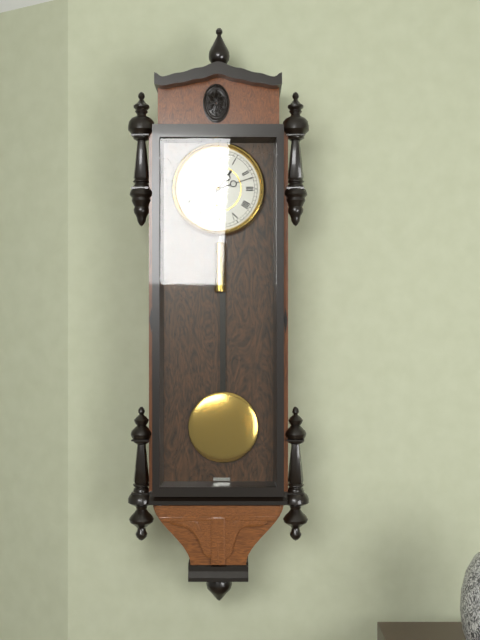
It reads 1 h 12 min
